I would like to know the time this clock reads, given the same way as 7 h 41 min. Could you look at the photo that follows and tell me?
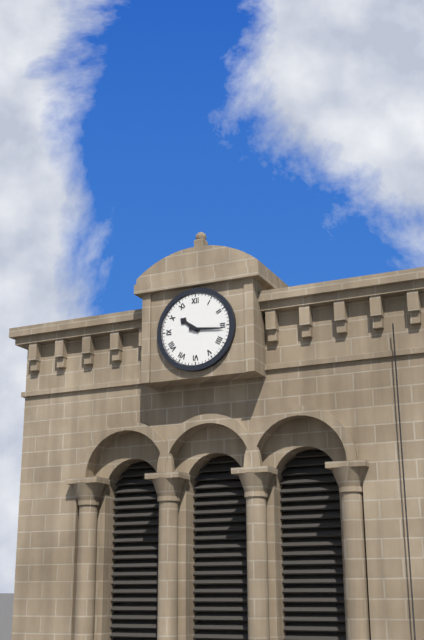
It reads 10 h 16 min
